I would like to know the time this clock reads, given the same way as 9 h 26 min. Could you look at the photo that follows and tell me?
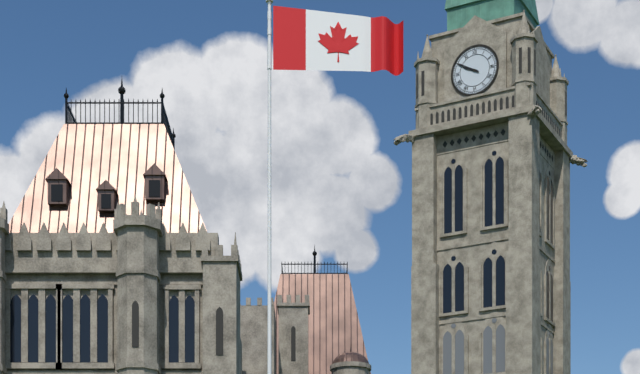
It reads 9 h 50 min
